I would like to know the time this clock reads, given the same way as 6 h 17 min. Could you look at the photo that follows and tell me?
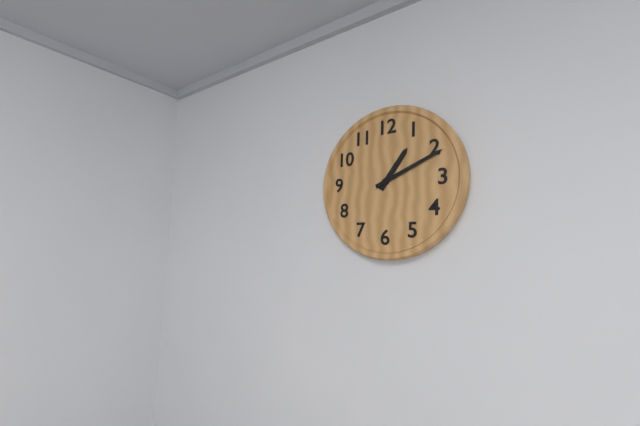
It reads 1 h 11 min
